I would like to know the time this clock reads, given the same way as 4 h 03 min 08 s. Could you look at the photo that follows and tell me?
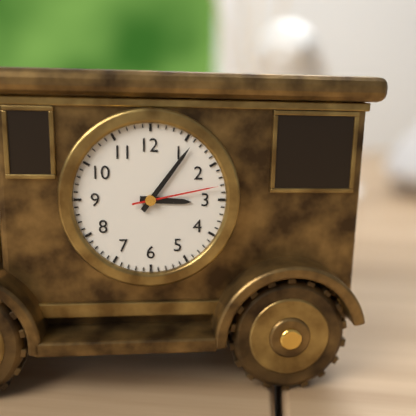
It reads 3 h 06 min 13 s
